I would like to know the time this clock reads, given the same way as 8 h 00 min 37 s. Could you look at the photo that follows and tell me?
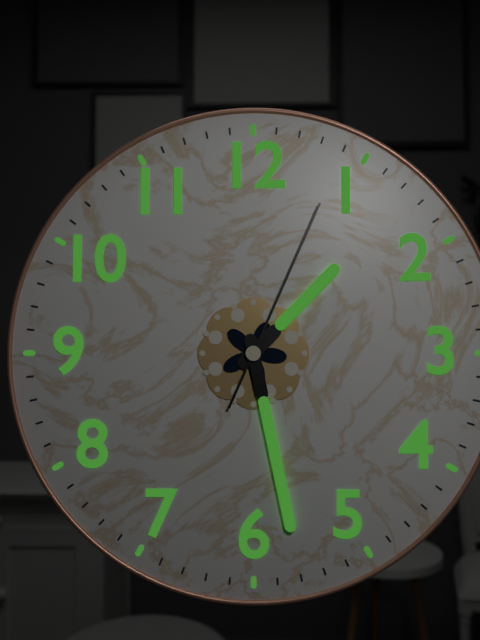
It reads 1 h 28 min 04 s
